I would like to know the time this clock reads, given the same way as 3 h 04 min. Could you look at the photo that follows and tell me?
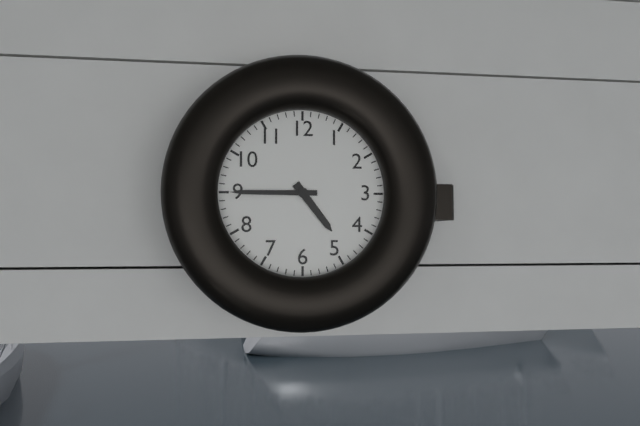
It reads 4 h 45 min
